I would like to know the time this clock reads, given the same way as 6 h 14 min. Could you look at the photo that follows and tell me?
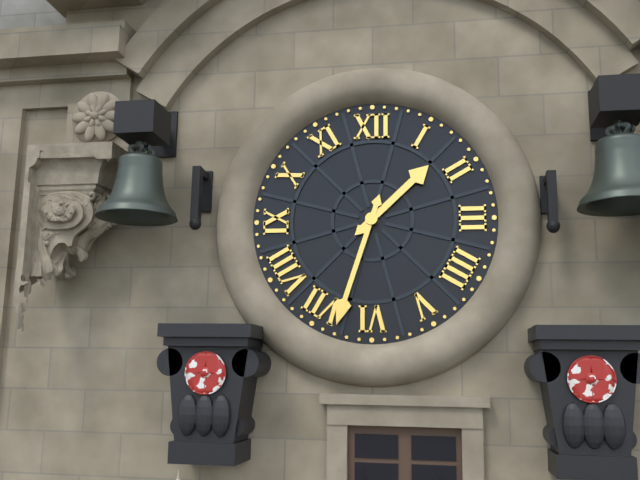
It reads 1 h 33 min
